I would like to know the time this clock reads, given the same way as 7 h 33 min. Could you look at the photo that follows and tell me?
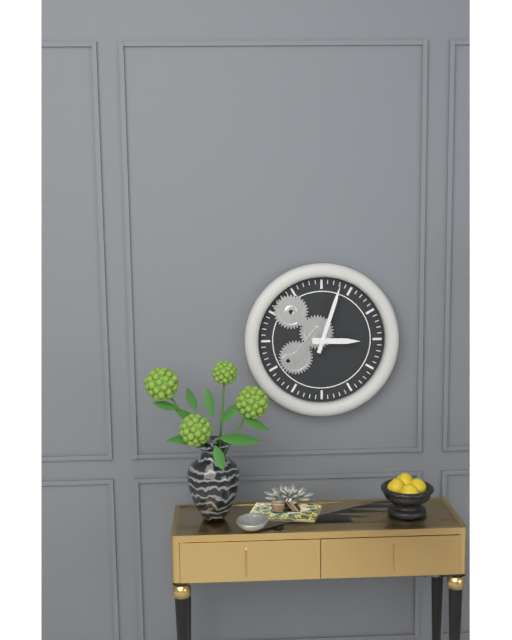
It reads 3 h 03 min
